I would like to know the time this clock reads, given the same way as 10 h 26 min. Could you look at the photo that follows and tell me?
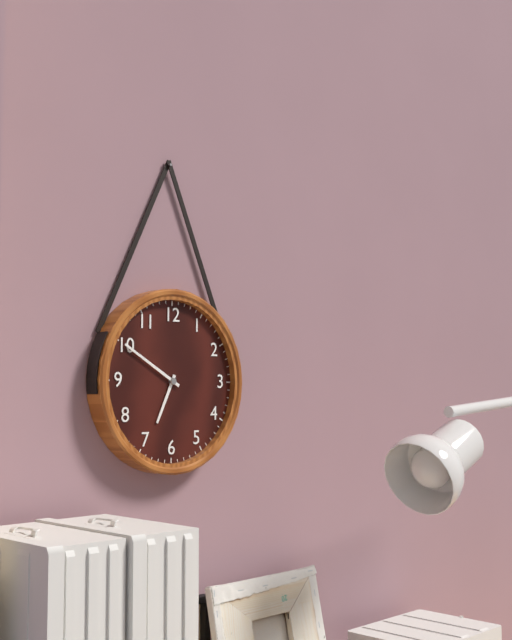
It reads 6 h 50 min
